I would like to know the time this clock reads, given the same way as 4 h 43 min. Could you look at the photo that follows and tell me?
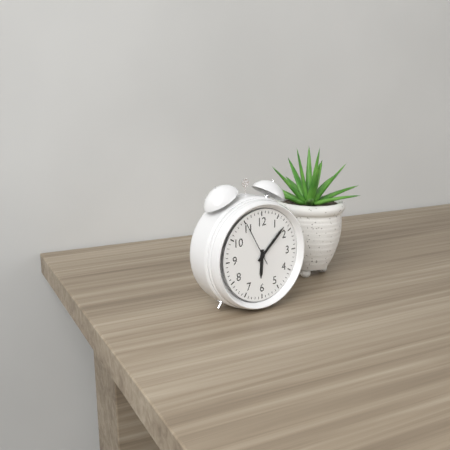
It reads 6 h 08 min
